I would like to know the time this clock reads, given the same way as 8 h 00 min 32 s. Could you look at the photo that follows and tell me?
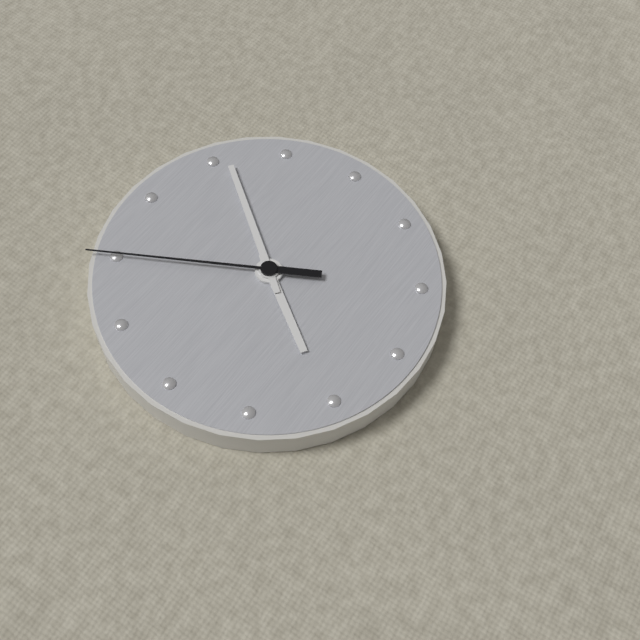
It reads 7 h 06 min 55 s
